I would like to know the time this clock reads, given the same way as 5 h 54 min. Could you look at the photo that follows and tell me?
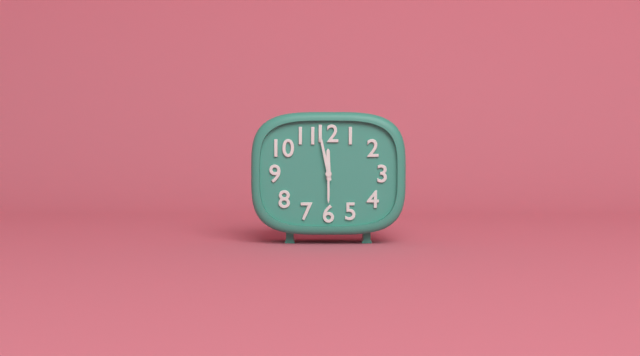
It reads 11 h 58 min
